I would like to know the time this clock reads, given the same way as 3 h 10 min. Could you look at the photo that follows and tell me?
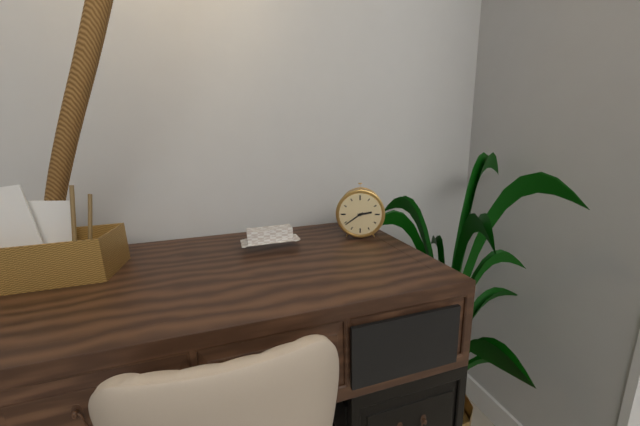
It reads 2 h 39 min
